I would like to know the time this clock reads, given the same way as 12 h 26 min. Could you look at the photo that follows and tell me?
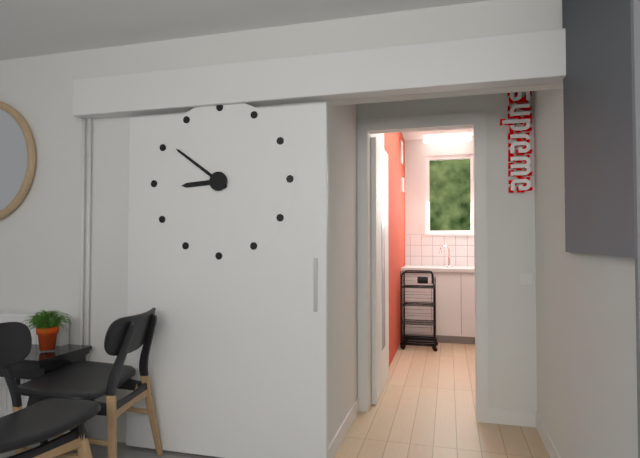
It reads 8 h 51 min
